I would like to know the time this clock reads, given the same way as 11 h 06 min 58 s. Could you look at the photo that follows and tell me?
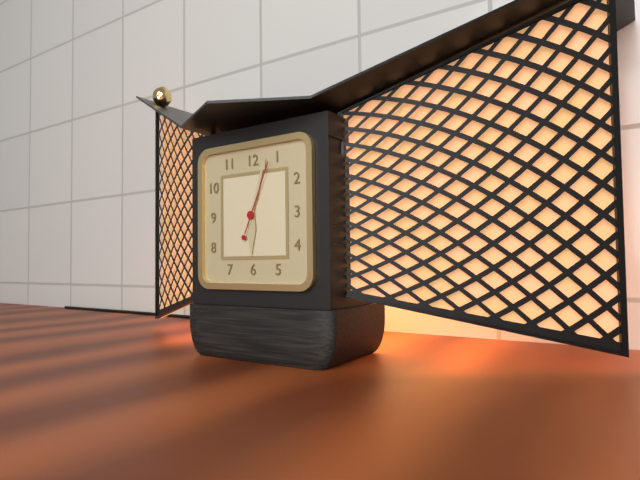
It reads 6 h 03 min 04 s
